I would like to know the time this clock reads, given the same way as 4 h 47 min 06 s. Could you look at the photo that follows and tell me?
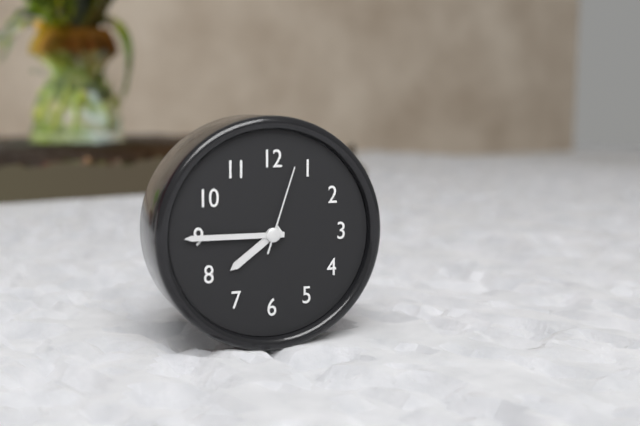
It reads 7 h 45 min 03 s
